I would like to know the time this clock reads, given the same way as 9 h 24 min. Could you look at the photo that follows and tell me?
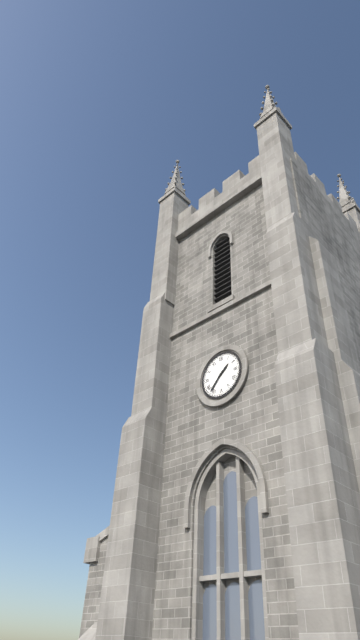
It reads 1 h 37 min
